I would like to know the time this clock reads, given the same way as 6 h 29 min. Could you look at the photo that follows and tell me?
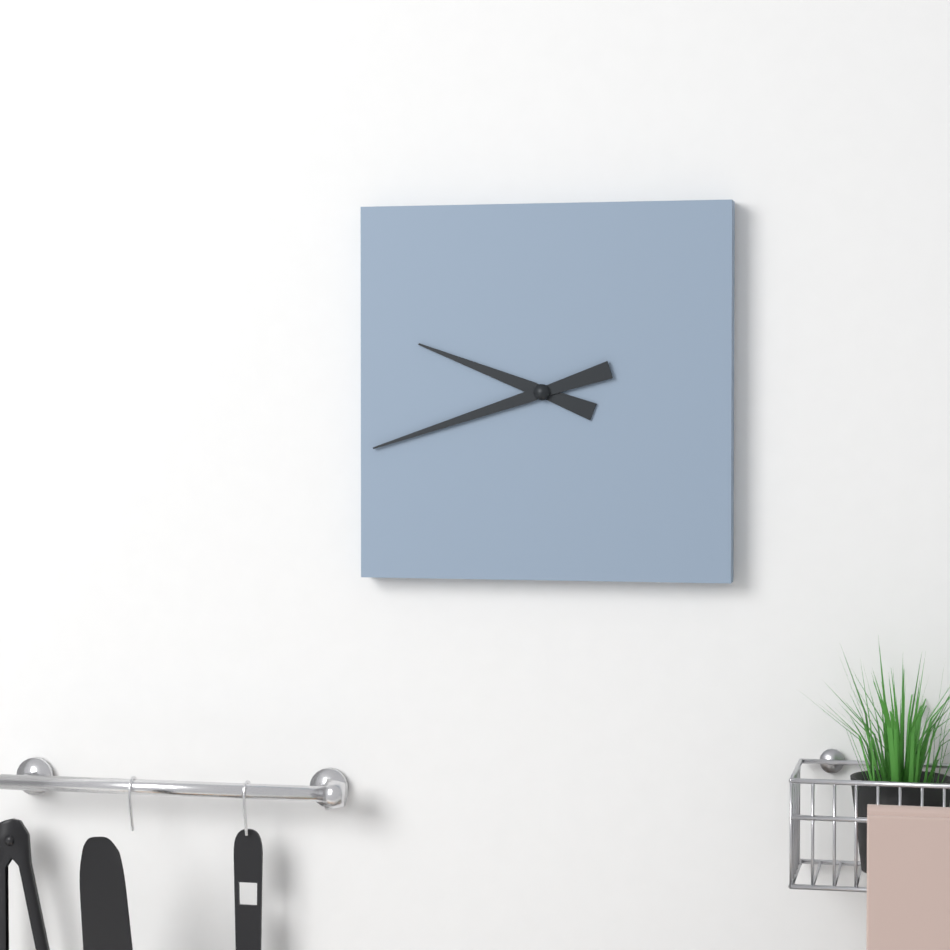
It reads 9 h 42 min
